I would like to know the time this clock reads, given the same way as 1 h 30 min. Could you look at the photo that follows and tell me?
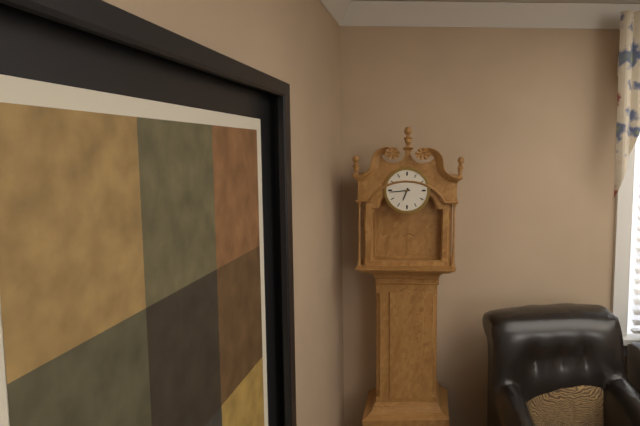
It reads 6 h 44 min
